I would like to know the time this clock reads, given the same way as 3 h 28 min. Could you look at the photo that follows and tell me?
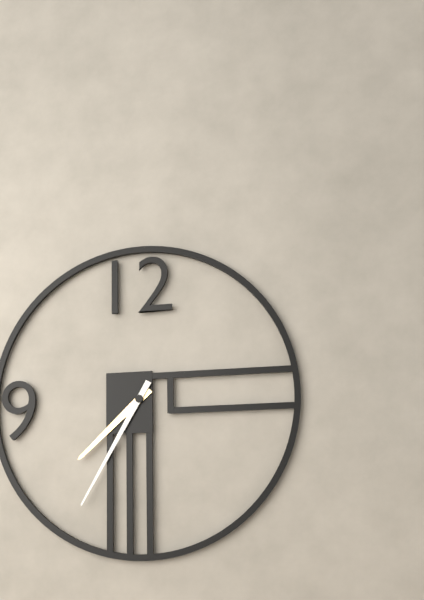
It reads 7 h 35 min
